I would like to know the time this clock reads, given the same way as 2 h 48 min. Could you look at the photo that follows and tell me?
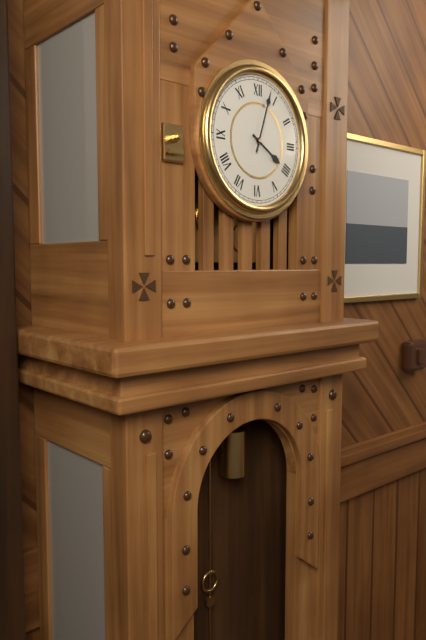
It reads 4 h 03 min
